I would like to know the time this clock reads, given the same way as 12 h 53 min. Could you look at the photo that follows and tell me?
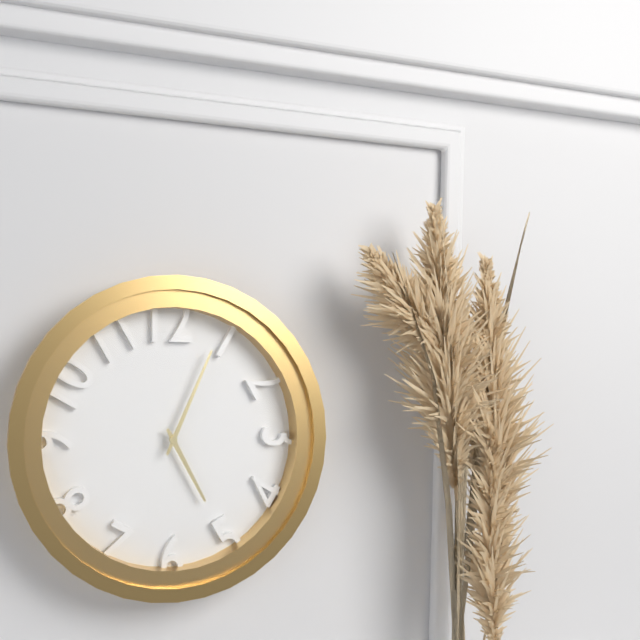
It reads 5 h 04 min
